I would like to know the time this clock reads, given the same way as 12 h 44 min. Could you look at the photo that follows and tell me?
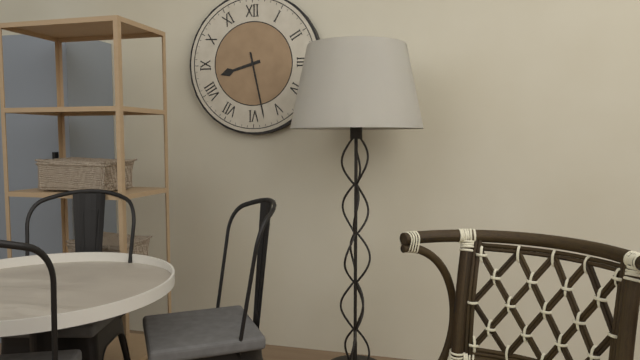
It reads 8 h 28 min
